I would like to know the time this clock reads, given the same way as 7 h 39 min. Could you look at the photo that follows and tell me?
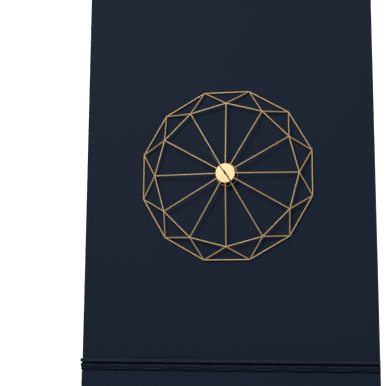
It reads 4 h 54 min
